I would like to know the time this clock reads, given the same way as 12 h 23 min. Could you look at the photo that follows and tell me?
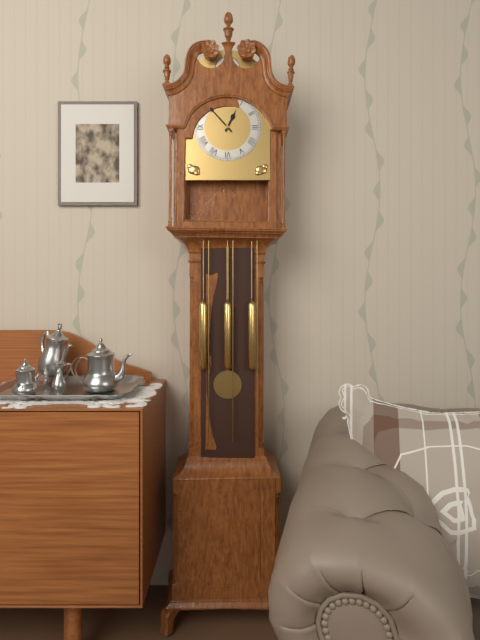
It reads 12 h 53 min
